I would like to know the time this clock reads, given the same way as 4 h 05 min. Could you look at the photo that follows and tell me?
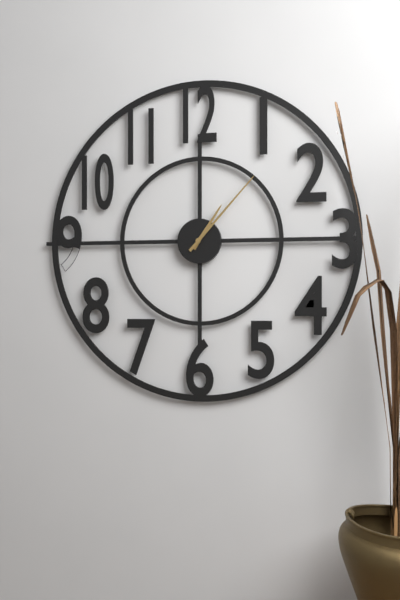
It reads 1 h 07 min
